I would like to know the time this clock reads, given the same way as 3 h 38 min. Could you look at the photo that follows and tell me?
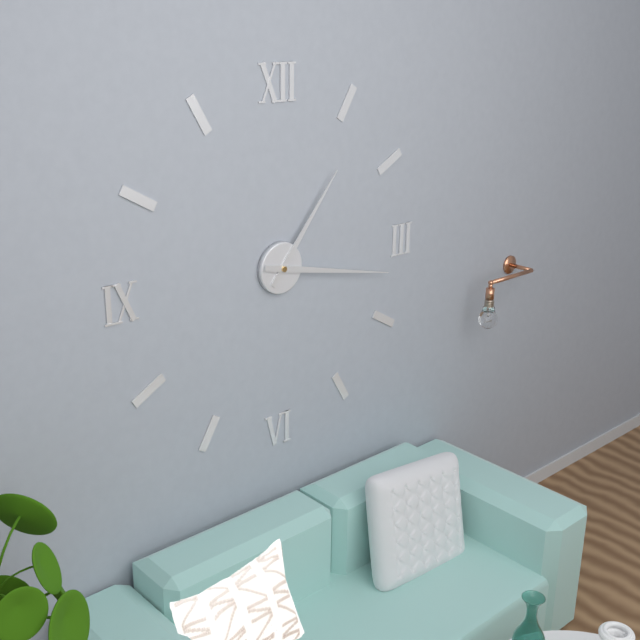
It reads 1 h 17 min
